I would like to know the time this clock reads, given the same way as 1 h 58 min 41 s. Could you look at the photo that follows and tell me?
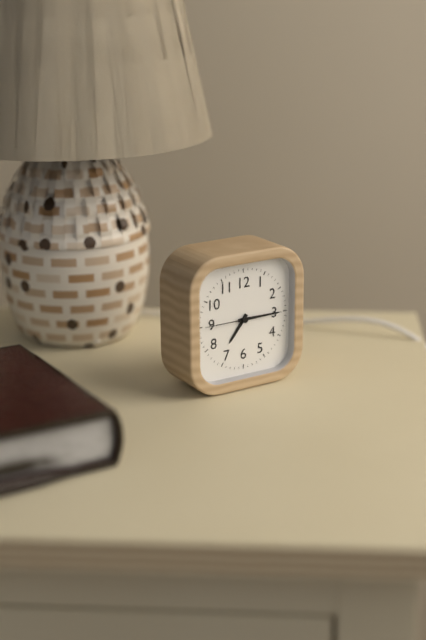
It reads 7 h 15 min 45 s
